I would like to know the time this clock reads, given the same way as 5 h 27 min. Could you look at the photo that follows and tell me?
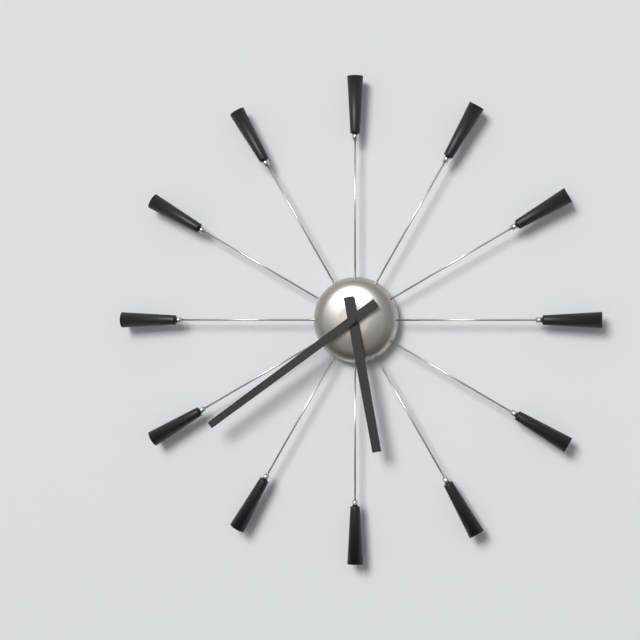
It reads 5 h 39 min
